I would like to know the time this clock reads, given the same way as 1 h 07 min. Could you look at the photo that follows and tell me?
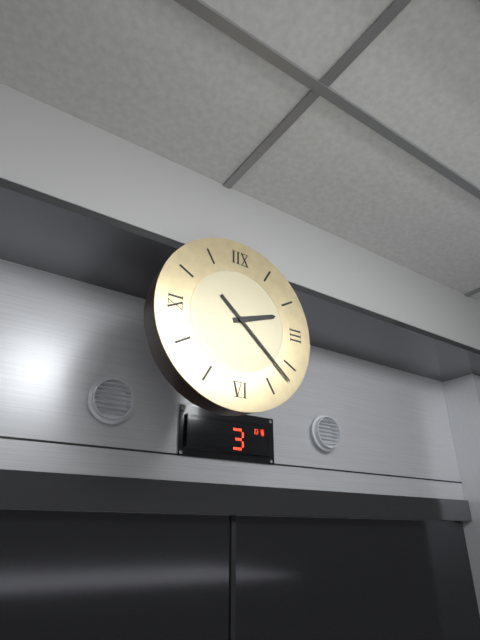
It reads 2 h 22 min
